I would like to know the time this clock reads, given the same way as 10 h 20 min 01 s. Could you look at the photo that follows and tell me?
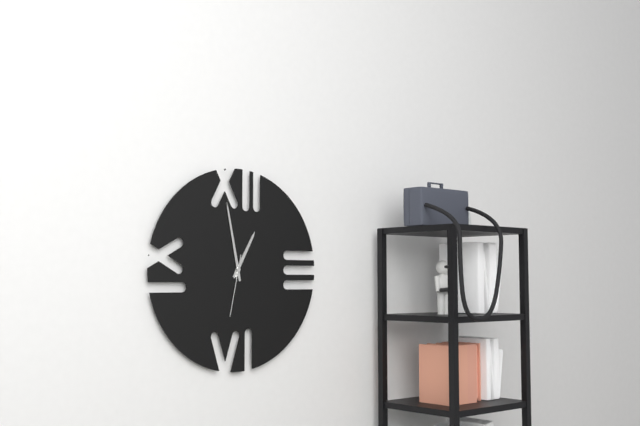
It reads 12 h 58 min 32 s
